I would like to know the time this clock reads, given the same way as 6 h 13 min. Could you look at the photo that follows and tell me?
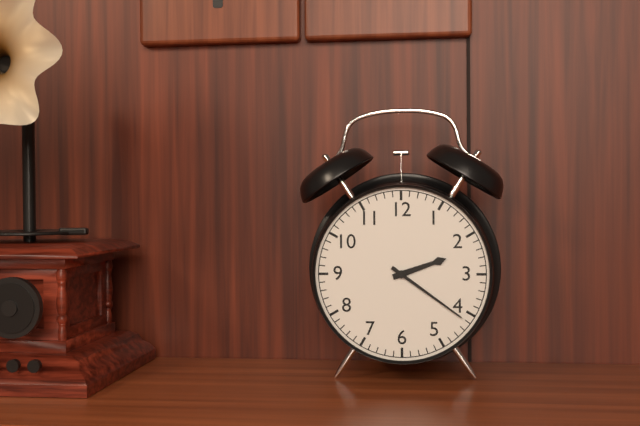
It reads 2 h 21 min
